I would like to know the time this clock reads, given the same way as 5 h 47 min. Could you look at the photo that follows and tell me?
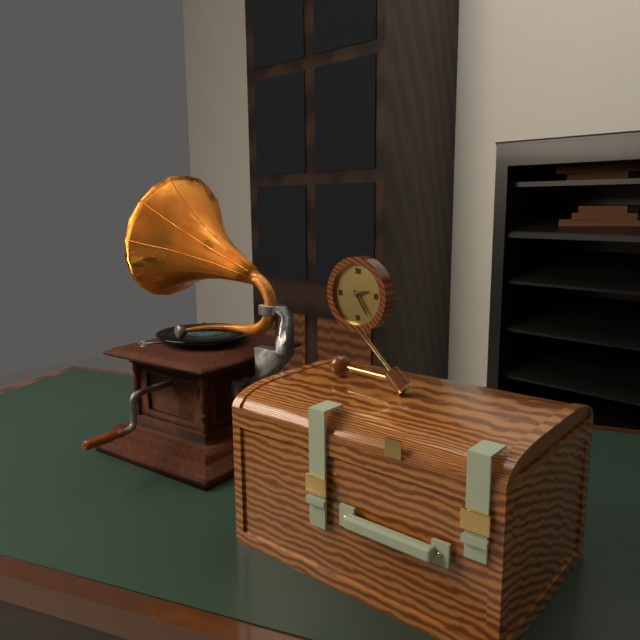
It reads 2 h 24 min
